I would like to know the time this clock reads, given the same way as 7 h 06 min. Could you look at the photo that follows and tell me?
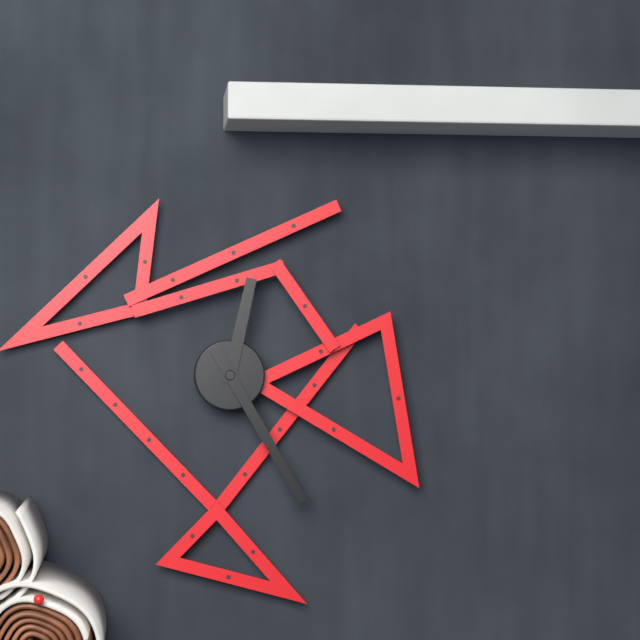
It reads 12 h 25 min
